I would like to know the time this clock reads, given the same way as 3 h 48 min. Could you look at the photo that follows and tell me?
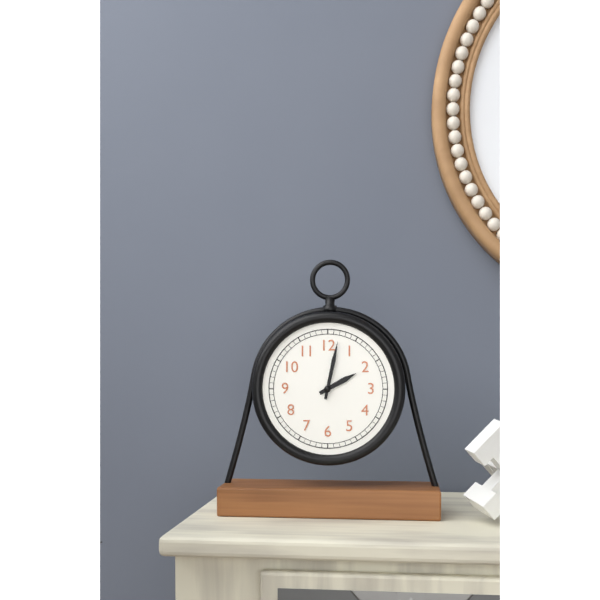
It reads 2 h 02 min
